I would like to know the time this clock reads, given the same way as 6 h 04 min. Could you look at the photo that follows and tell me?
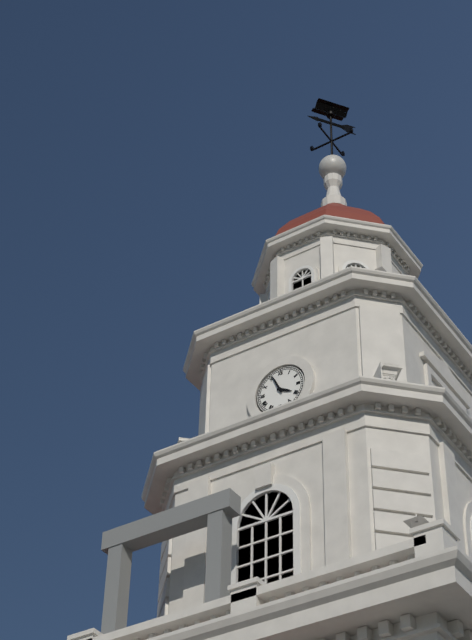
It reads 3 h 56 min
